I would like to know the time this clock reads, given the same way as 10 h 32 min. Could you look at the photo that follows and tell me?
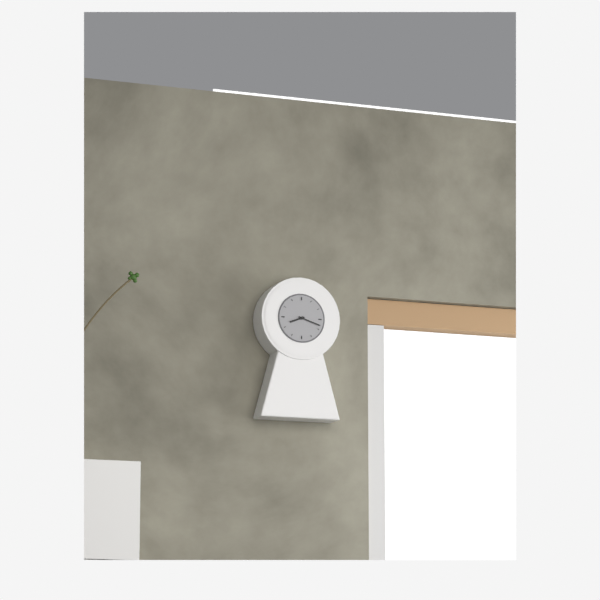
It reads 8 h 18 min
